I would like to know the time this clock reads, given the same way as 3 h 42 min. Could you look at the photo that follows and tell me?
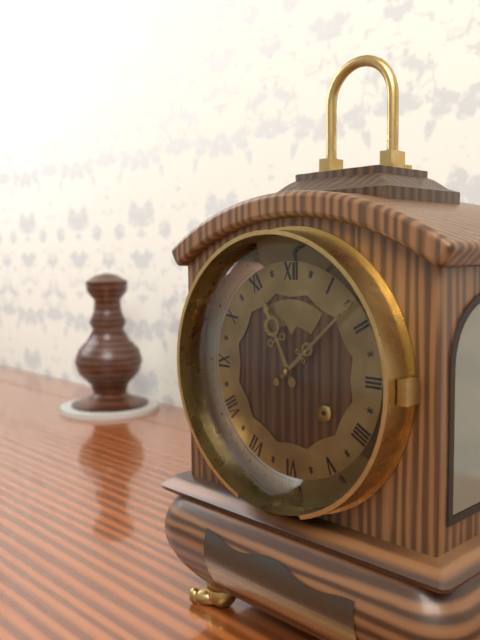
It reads 11 h 08 min
